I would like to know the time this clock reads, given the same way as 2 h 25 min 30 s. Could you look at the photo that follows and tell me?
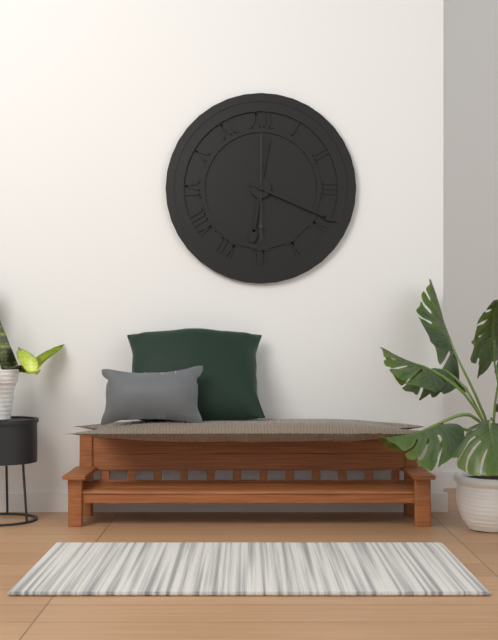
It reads 6 h 19 min 00 s
